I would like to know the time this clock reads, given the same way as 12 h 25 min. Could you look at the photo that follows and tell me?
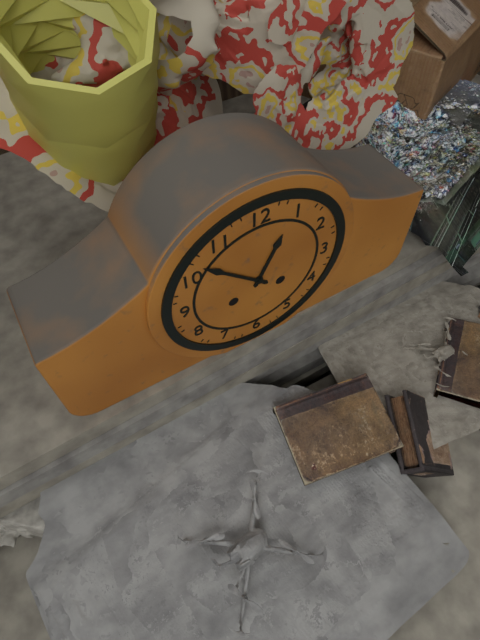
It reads 12 h 52 min
